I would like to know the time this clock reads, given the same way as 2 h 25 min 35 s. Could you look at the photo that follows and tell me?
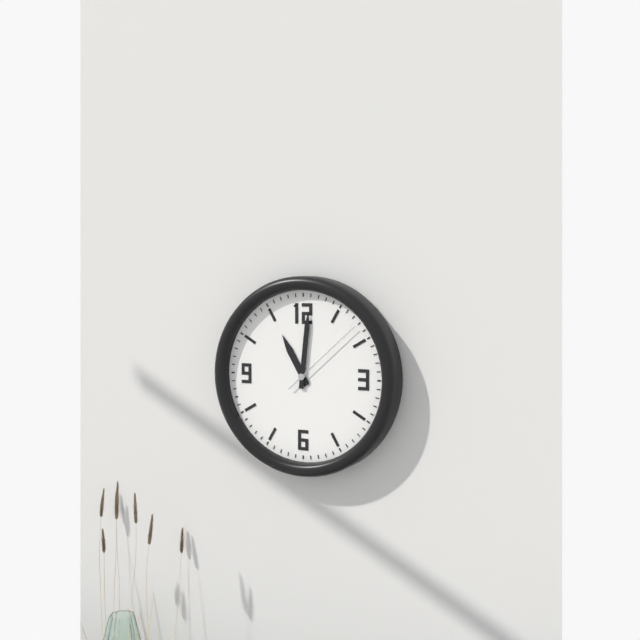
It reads 11 h 01 min 08 s
